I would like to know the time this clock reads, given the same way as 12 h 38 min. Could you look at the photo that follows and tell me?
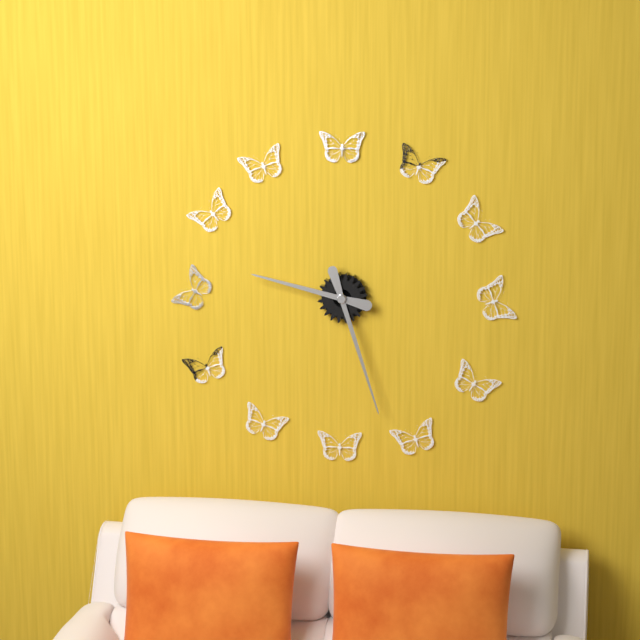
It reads 9 h 27 min
